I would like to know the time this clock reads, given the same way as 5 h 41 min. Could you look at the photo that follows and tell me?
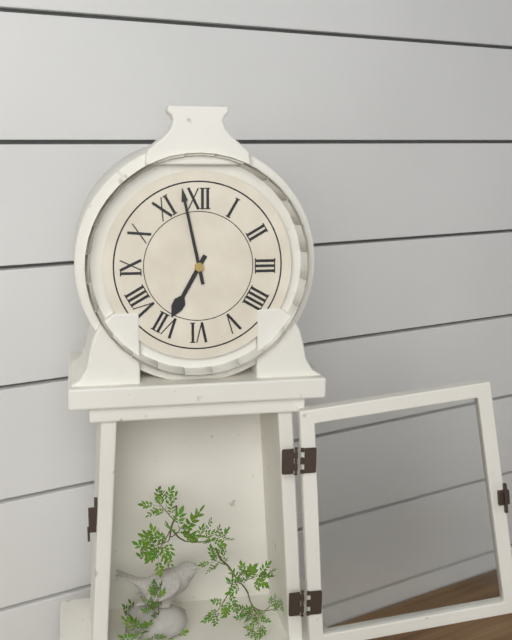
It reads 6 h 58 min
